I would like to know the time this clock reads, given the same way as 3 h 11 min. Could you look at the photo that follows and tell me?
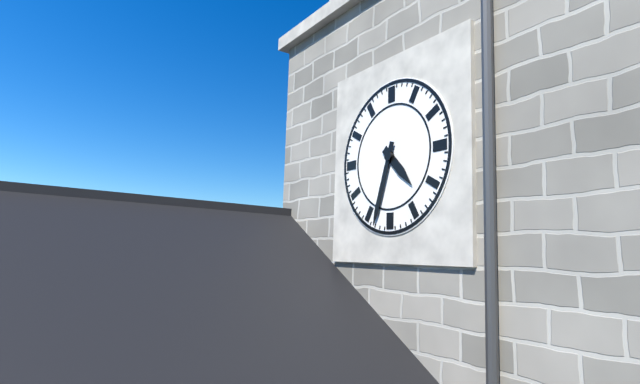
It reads 4 h 33 min
